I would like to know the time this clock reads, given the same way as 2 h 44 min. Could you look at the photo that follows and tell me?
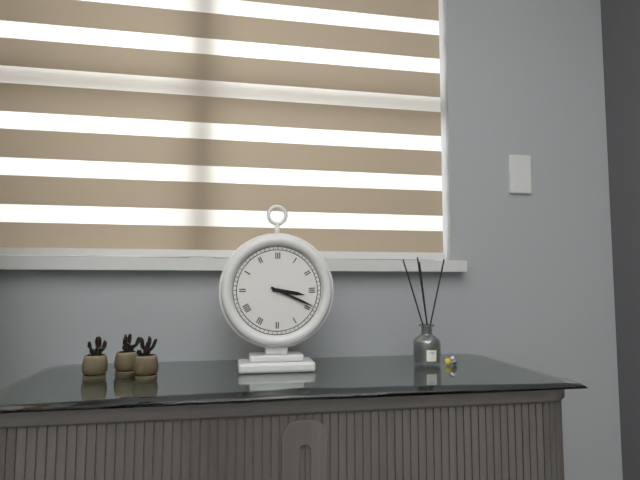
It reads 3 h 19 min
